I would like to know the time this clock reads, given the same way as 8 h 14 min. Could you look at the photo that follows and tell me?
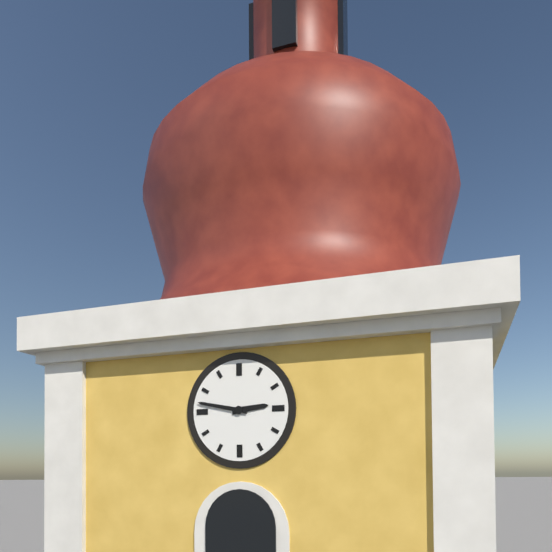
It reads 2 h 47 min
